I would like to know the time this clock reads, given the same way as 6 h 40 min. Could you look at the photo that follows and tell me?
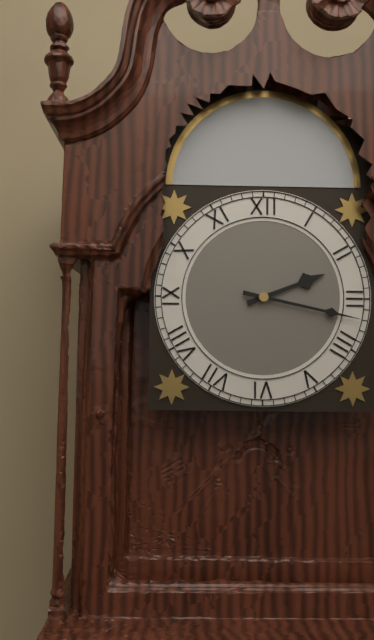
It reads 2 h 17 min
